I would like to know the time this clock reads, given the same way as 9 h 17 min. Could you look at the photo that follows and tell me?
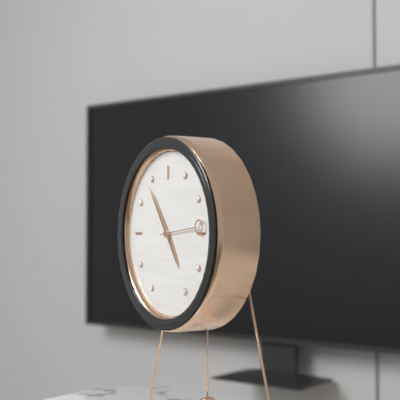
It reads 4 h 54 min
